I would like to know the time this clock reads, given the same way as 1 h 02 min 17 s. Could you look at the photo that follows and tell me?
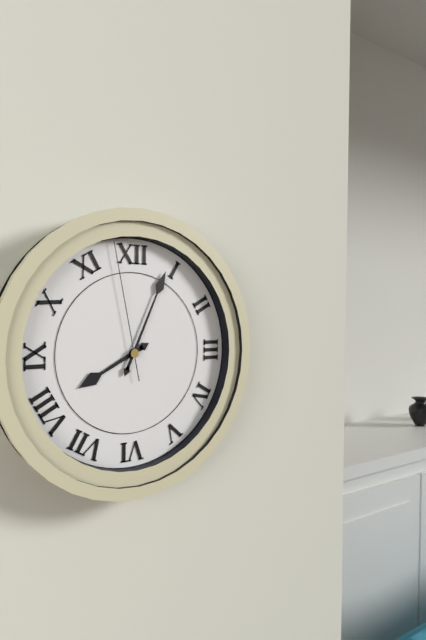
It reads 8 h 04 min 58 s
